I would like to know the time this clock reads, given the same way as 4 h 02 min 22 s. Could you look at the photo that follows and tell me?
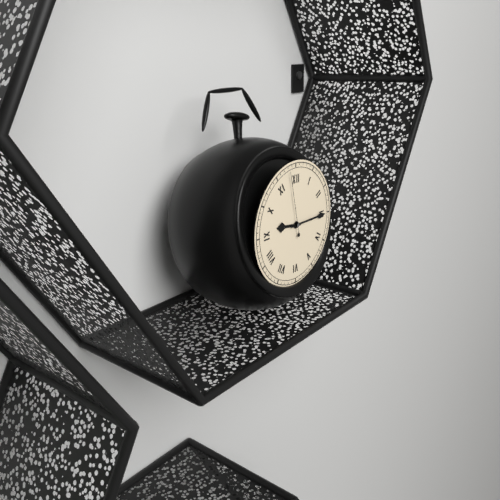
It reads 9 h 15 min 58 s
